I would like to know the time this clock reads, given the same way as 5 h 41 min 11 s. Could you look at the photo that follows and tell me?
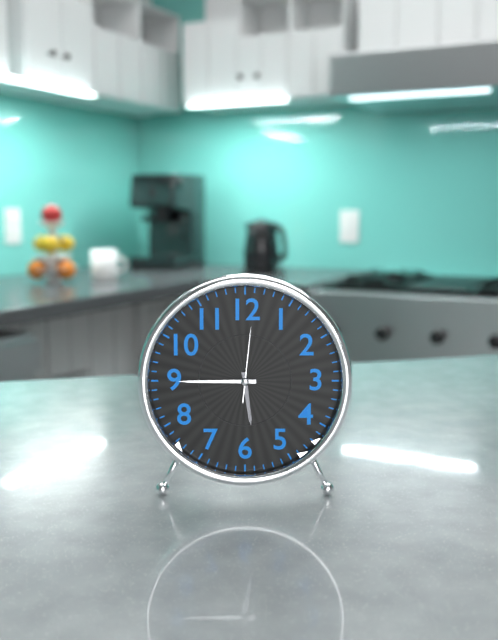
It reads 5 h 45 min 01 s
